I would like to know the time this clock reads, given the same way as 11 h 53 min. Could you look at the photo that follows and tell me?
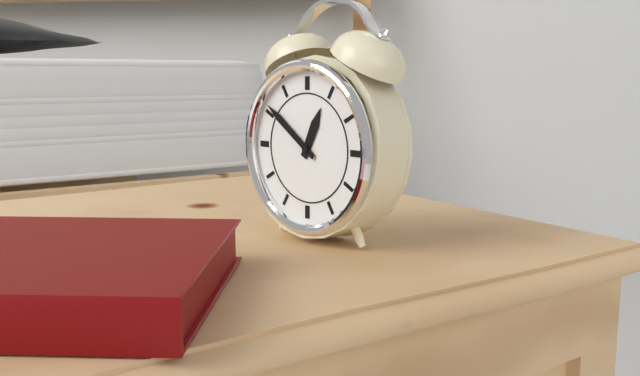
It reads 12 h 51 min
